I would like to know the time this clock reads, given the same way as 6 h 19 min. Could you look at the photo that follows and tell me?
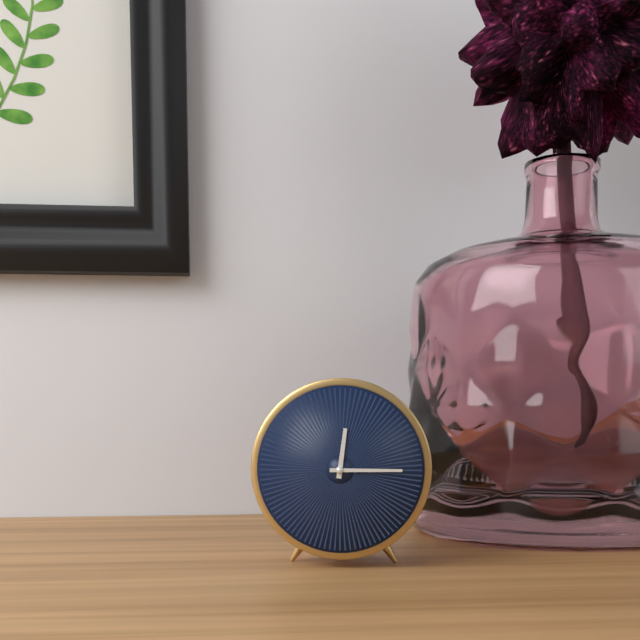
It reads 12 h 15 min
